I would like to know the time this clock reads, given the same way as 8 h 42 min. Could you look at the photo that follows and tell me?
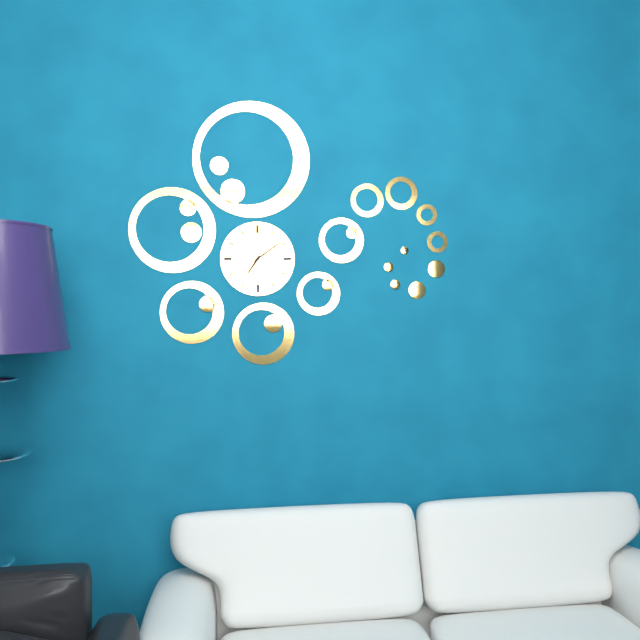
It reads 7 h 09 min
